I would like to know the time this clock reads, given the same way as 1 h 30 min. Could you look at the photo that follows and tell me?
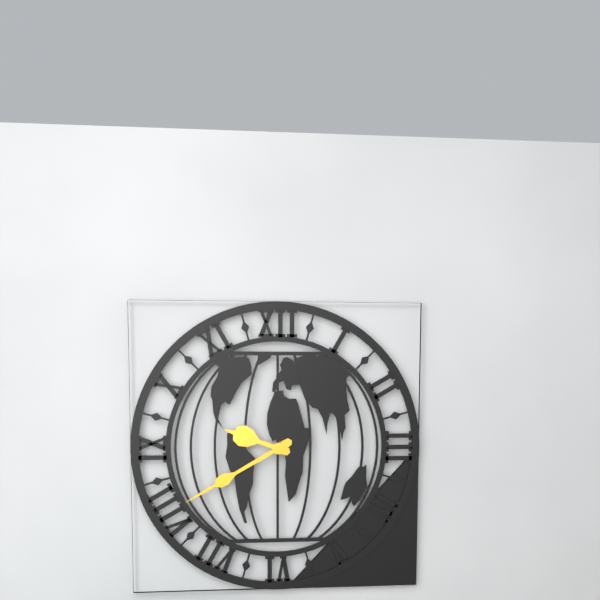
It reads 9 h 40 min
